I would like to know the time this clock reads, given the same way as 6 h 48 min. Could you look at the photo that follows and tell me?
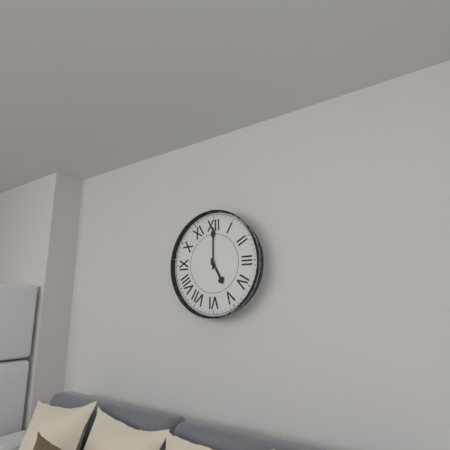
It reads 5 h 00 min
